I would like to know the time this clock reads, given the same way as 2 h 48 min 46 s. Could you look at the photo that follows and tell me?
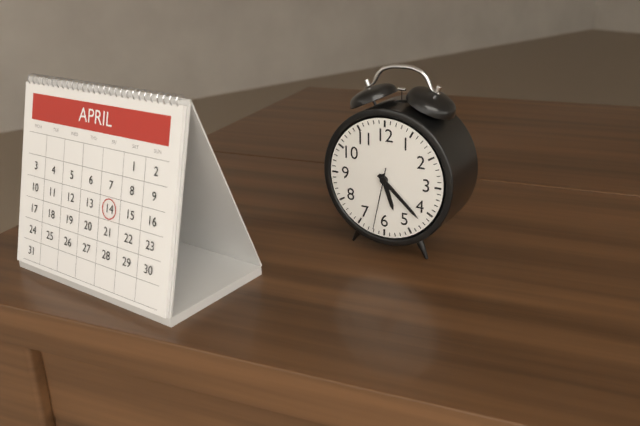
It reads 5 h 22 min 32 s
